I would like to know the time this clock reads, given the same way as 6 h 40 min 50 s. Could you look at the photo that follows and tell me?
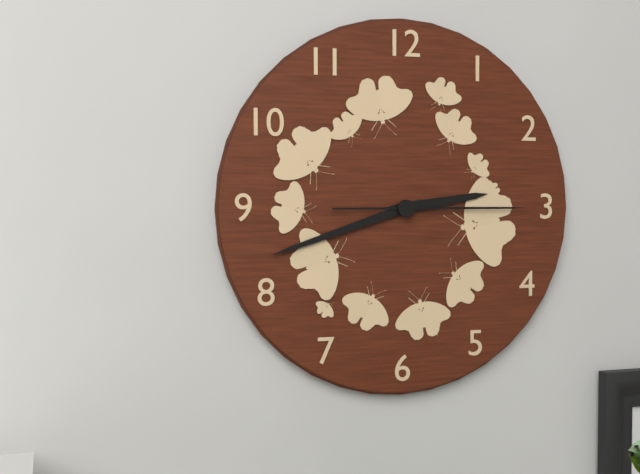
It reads 2 h 42 min 15 s
